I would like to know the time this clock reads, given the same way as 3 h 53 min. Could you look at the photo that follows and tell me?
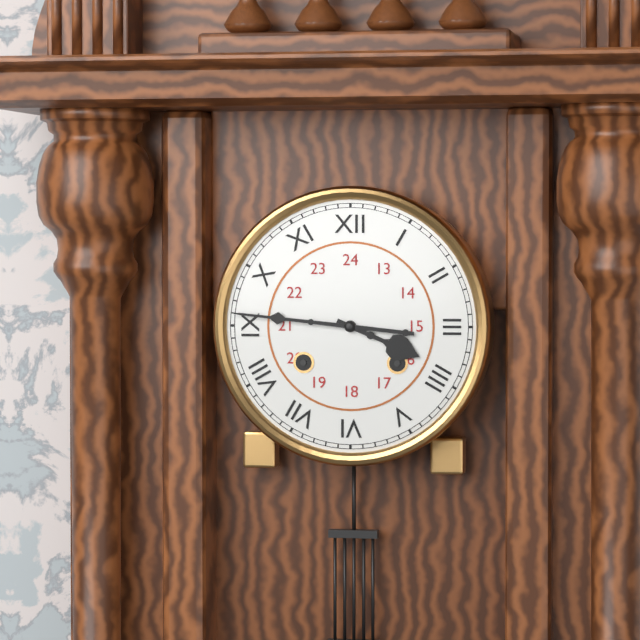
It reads 3 h 46 min
